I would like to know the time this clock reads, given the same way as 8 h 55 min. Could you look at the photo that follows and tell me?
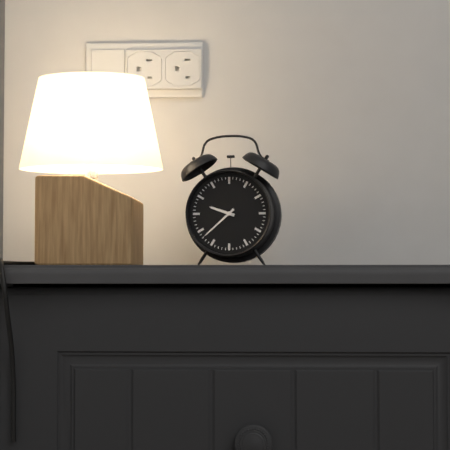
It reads 9 h 38 min
